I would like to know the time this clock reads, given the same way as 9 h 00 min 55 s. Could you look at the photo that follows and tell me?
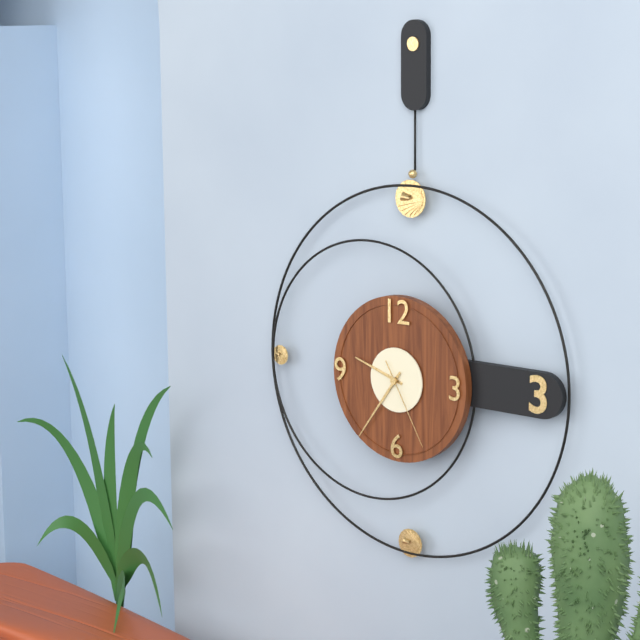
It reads 9 h 36 min 25 s
